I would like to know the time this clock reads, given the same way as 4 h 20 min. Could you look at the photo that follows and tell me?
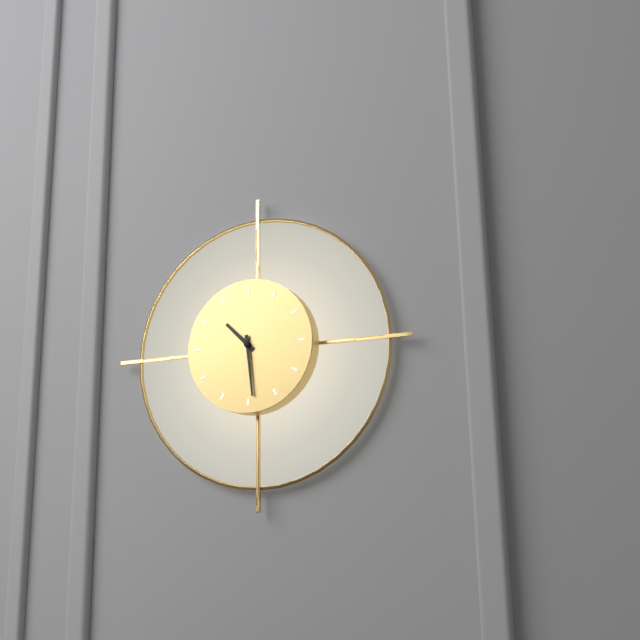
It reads 10 h 29 min
